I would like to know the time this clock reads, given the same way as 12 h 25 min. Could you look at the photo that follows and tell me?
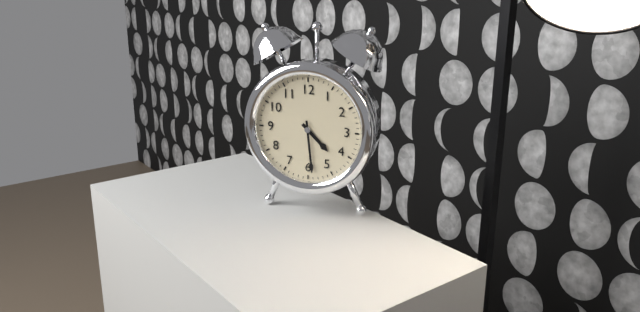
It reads 4 h 29 min
